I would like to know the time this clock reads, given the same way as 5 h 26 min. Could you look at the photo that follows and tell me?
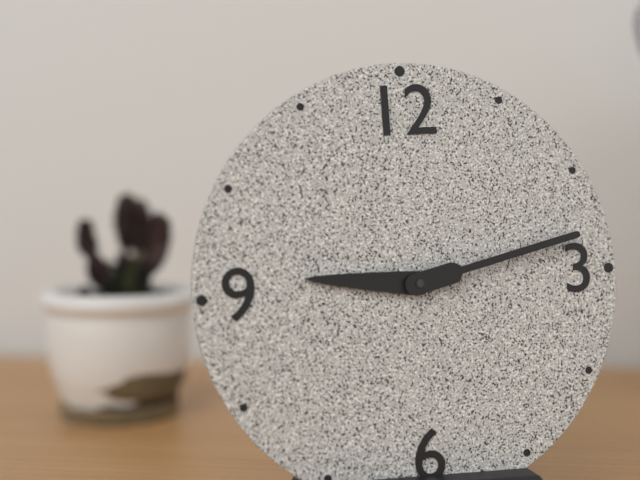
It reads 9 h 13 min
